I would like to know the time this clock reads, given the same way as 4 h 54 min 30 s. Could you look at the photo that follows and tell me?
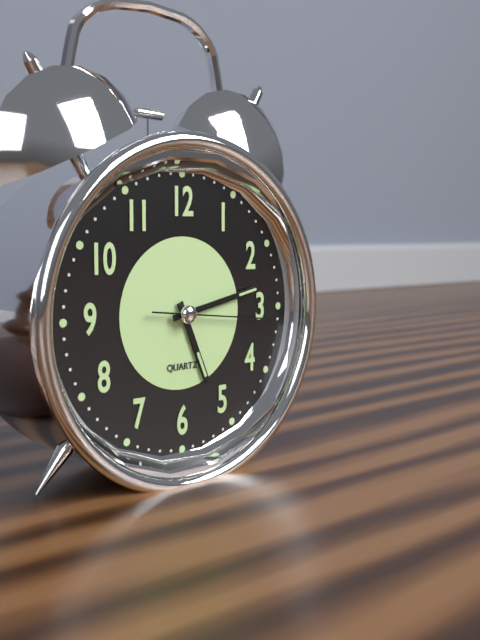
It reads 5 h 13 min 16 s
